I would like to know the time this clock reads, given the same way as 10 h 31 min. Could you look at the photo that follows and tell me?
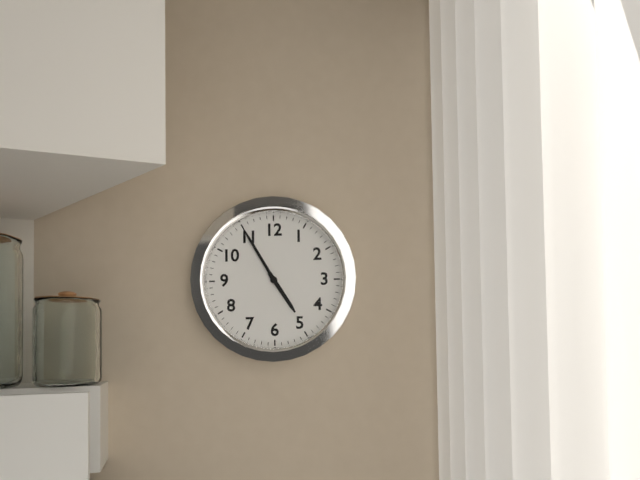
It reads 4 h 55 min
